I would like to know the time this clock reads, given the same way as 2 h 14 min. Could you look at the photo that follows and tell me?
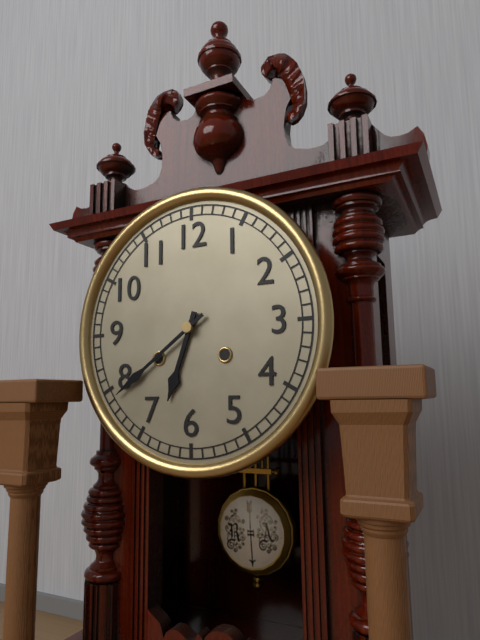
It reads 6 h 39 min
